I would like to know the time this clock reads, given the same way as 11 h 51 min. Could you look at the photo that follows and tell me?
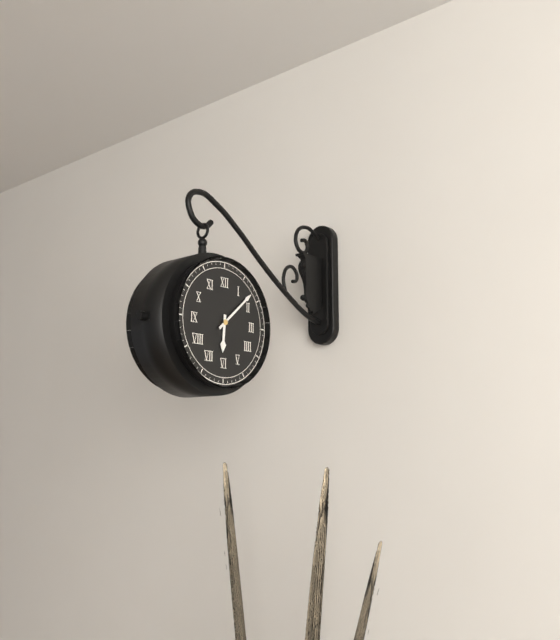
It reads 6 h 08 min
